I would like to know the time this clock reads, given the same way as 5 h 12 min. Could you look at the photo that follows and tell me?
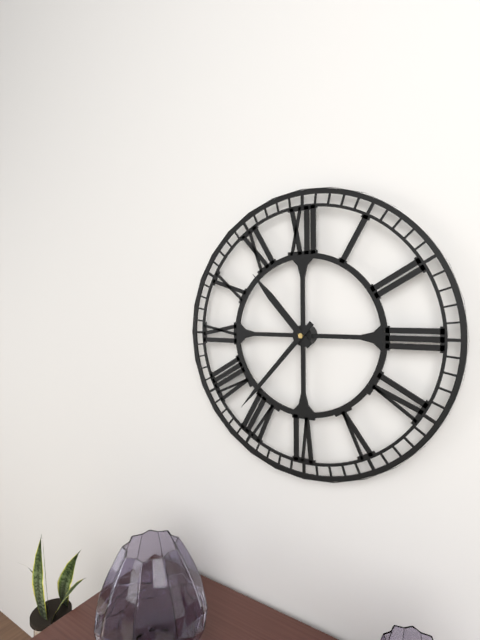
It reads 10 h 37 min
